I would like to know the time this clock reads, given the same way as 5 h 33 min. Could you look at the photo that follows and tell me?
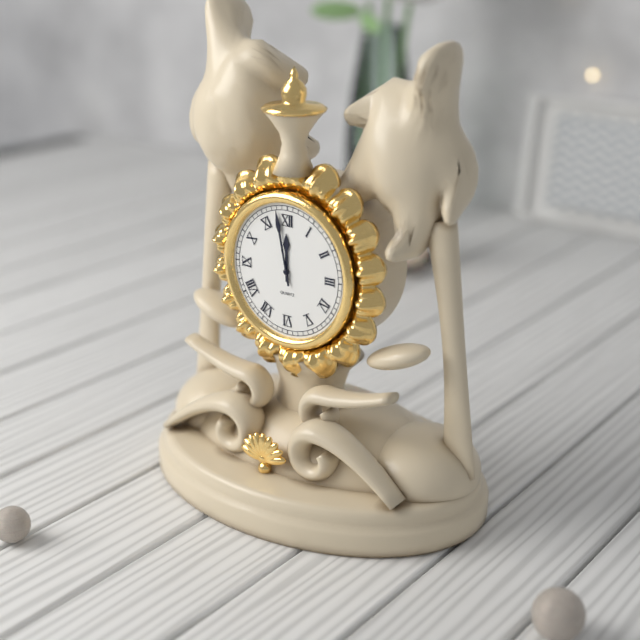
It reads 11 h 58 min
